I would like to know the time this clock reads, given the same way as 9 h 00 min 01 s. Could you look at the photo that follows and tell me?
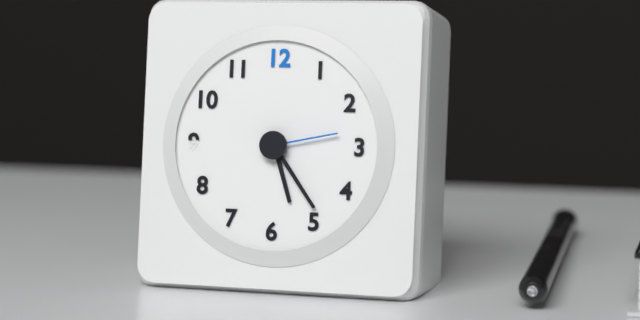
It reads 5 h 24 min 13 s
